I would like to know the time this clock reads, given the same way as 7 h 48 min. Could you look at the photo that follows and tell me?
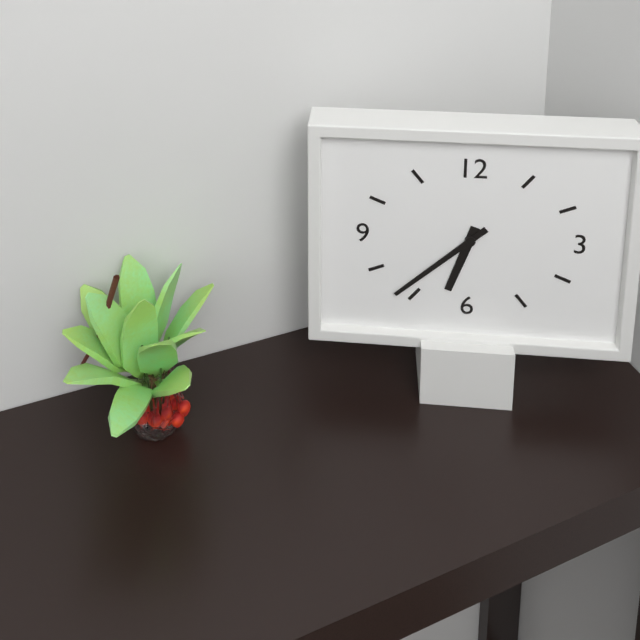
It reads 6 h 38 min
